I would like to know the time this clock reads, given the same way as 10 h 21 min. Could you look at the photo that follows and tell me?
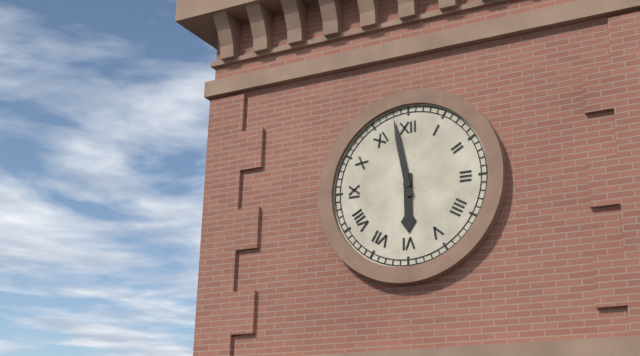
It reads 5 h 58 min
